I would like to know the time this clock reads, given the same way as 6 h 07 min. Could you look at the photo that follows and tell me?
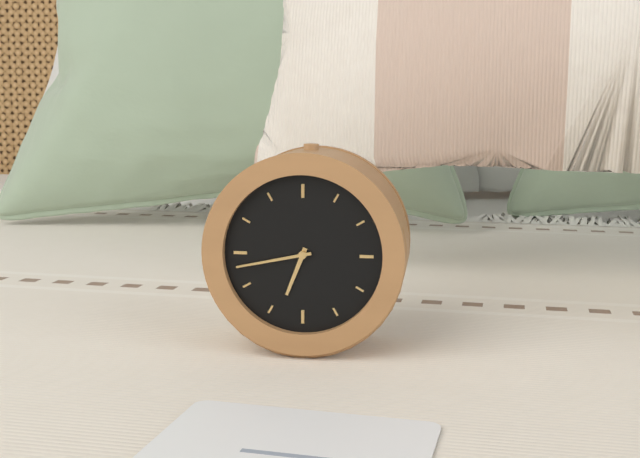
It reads 6 h 43 min
